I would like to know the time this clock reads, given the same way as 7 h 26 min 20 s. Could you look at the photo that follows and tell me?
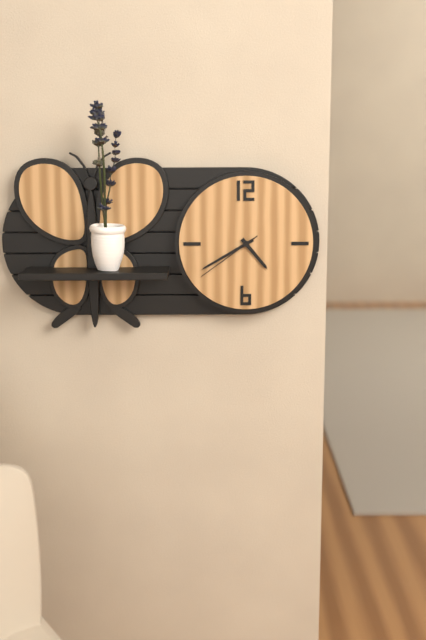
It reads 4 h 40 min 39 s
